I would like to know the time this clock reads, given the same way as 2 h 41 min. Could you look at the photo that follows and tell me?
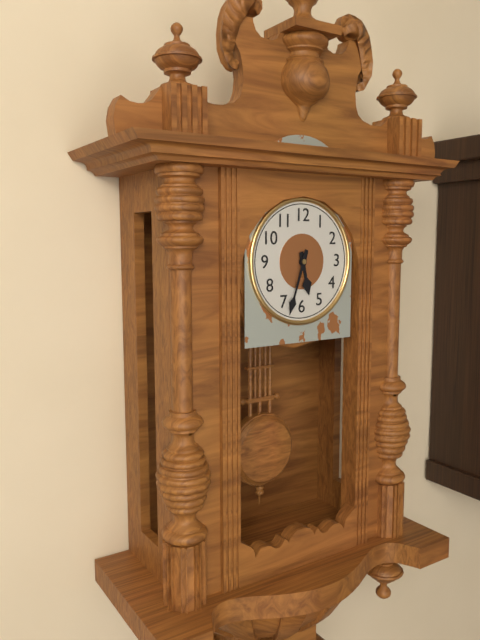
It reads 5 h 33 min
